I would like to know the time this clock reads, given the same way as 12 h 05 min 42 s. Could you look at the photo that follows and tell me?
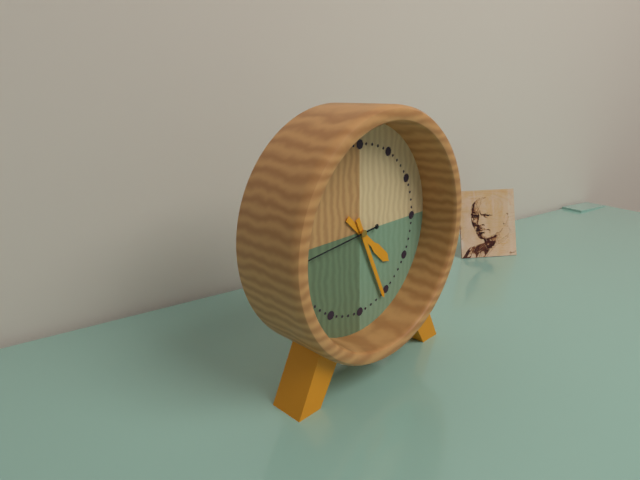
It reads 4 h 26 min 44 s
